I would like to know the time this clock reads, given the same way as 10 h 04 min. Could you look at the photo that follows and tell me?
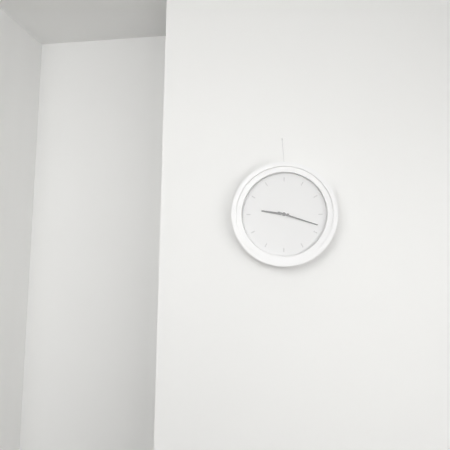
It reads 9 h 18 min
